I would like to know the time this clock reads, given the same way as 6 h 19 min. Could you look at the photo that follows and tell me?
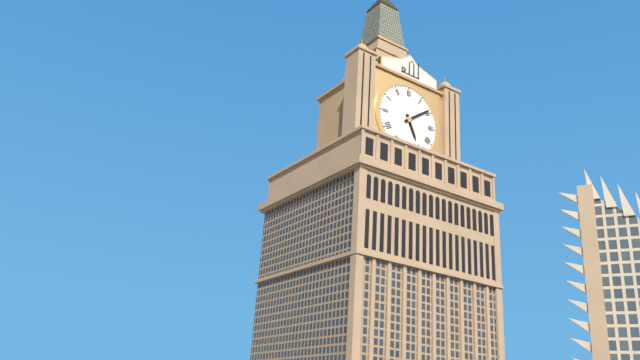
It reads 5 h 09 min
